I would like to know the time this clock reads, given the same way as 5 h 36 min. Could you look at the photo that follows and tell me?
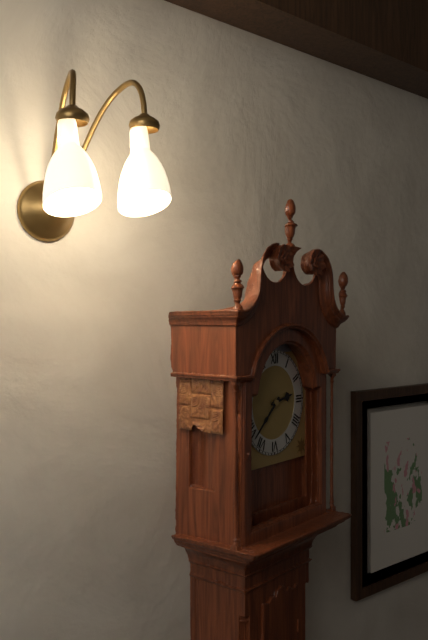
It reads 2 h 38 min
